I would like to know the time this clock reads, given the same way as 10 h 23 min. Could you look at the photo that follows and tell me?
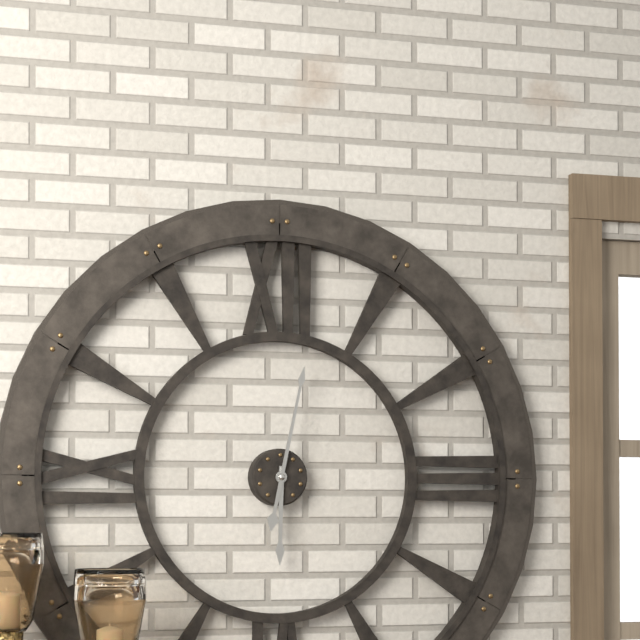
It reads 6 h 02 min
